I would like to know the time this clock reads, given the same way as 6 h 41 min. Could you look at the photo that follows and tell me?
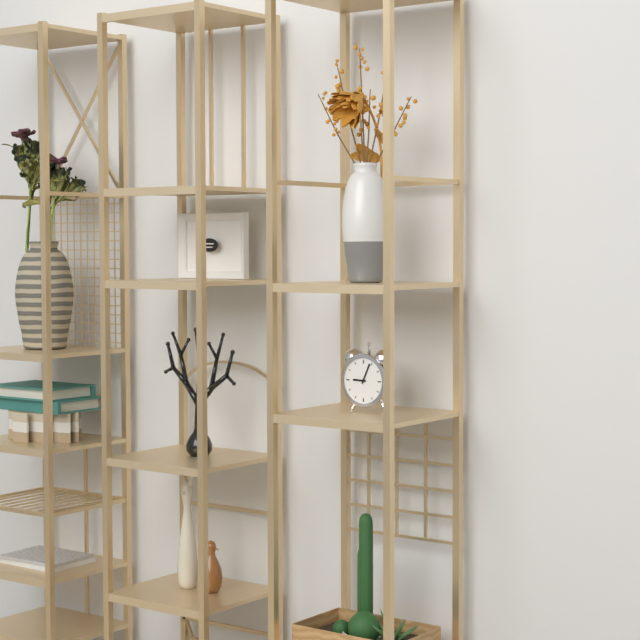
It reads 9 h 04 min
